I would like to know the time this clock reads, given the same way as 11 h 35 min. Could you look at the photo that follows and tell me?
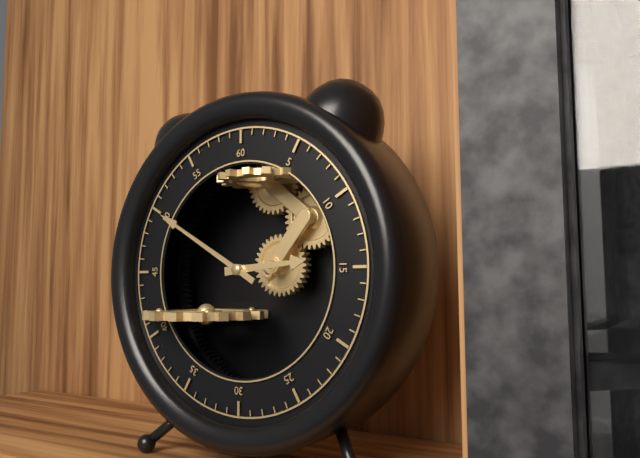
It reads 2 h 50 min
